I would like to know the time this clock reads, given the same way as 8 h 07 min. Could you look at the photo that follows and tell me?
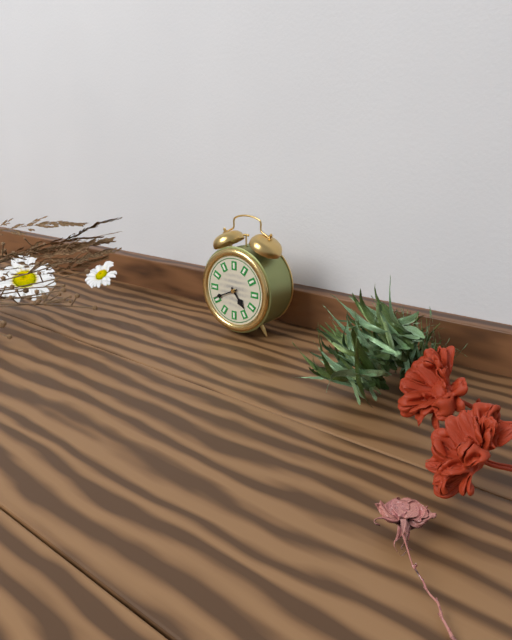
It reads 4 h 41 min
